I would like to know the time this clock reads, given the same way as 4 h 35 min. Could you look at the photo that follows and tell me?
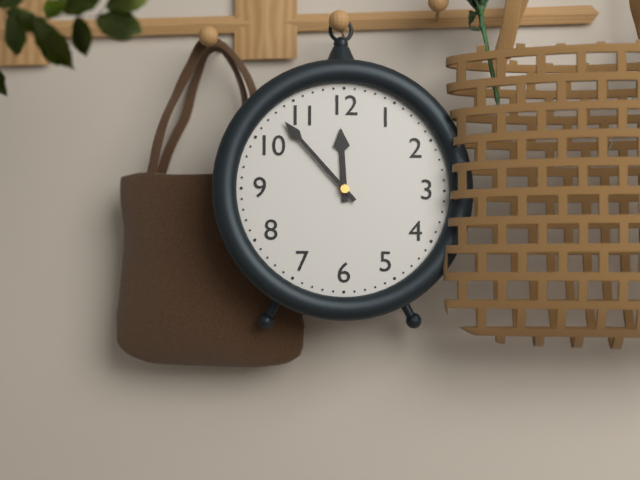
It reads 11 h 53 min
